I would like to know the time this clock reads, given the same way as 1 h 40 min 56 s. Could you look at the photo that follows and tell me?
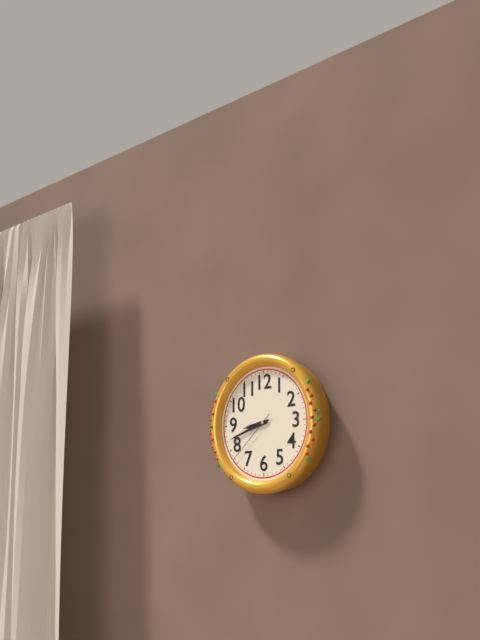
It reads 8 h 42 min 38 s
